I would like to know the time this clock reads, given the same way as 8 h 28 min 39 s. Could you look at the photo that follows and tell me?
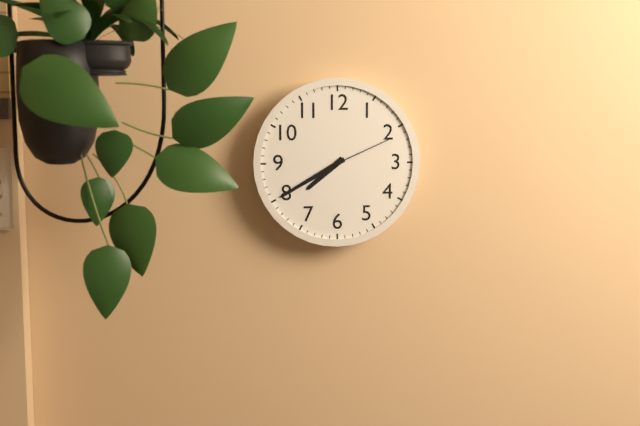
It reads 7 h 40 min 11 s
